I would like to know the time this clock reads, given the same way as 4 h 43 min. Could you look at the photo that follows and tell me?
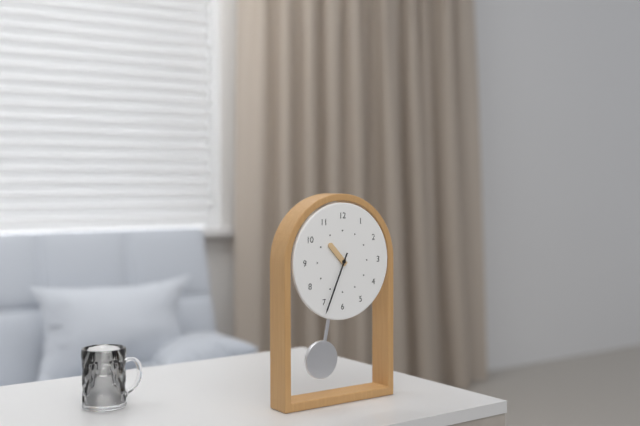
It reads 10 h 34 min
